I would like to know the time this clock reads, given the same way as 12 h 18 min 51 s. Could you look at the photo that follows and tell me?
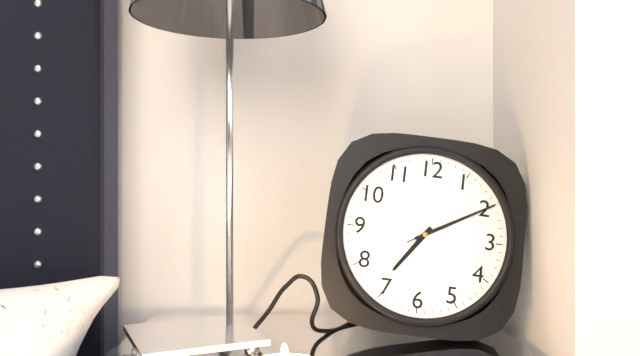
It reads 7 h 10 min 10 s
